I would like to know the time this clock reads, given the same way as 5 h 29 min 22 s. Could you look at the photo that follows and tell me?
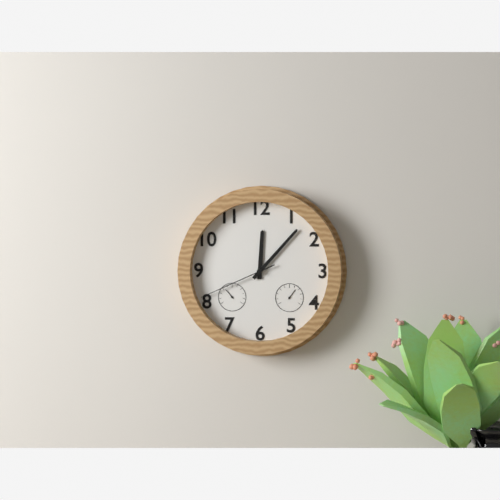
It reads 12 h 07 min 41 s
